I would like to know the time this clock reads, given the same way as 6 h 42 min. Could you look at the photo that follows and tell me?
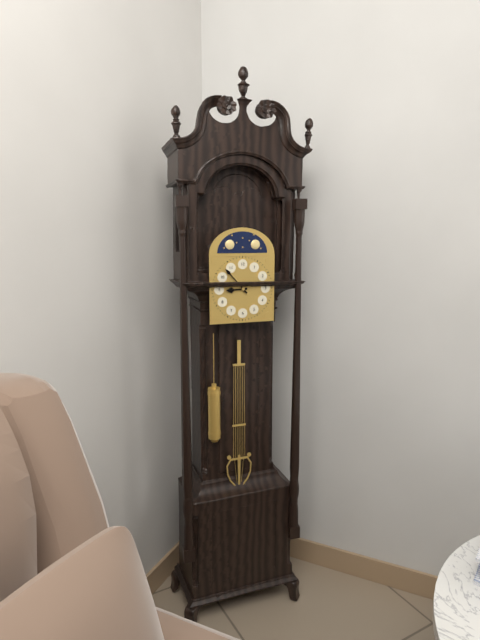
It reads 8 h 53 min
